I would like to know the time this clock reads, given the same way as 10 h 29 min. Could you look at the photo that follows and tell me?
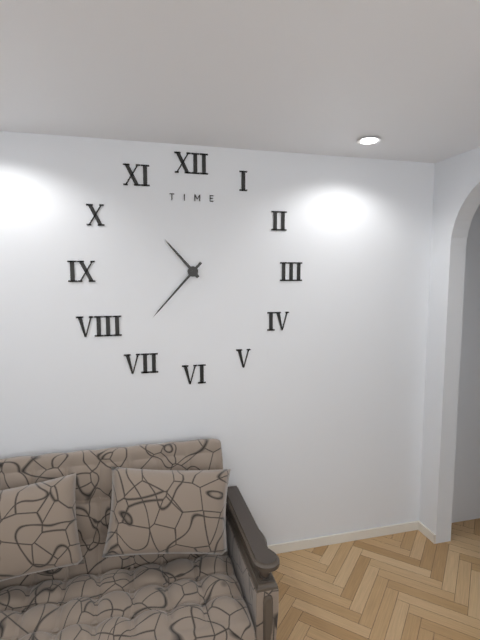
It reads 10 h 37 min
